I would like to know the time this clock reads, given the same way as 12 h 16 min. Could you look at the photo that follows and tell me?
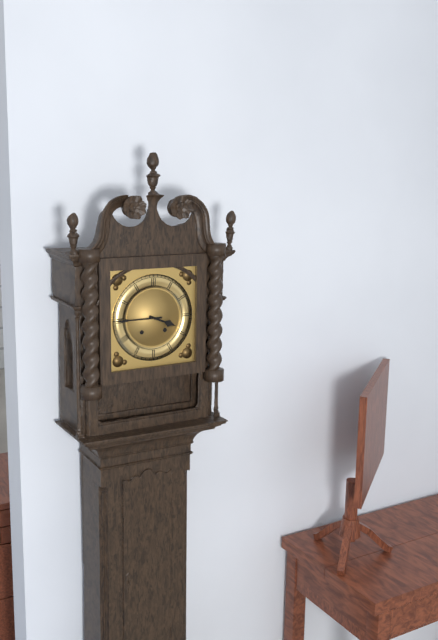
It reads 3 h 45 min
